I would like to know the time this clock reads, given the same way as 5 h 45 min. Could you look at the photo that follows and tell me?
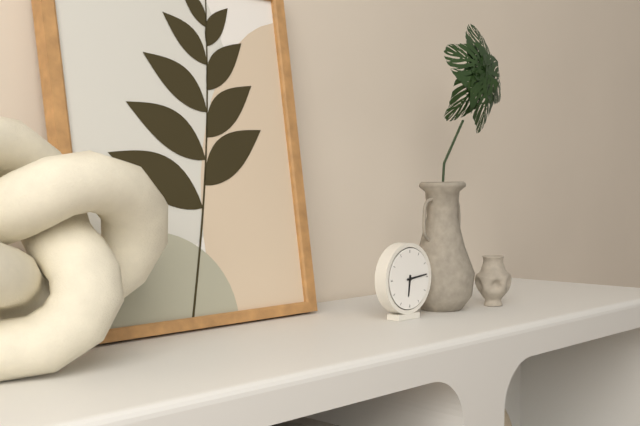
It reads 6 h 14 min
